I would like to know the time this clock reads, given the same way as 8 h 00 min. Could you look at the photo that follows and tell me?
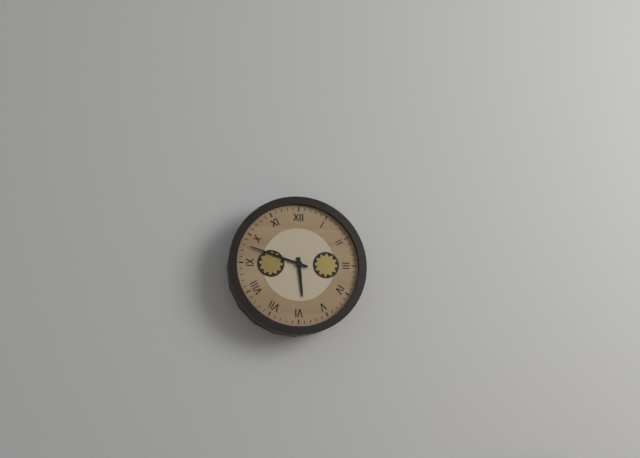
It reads 5 h 48 min
